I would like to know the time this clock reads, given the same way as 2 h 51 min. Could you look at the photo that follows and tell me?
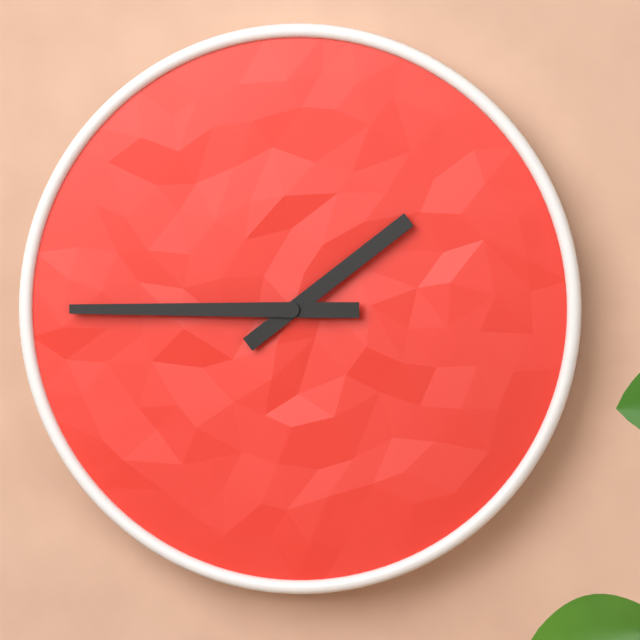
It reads 1 h 45 min
